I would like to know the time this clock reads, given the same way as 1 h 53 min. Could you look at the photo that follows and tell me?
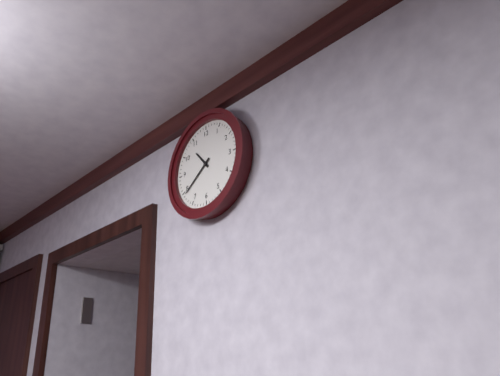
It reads 10 h 39 min
